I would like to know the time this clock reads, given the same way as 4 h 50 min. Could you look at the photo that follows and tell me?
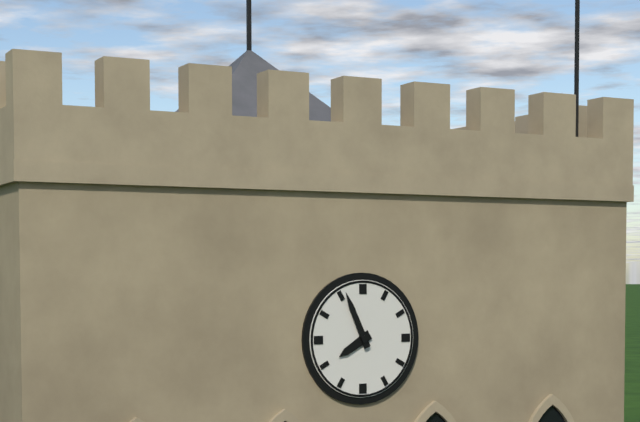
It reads 7 h 56 min
